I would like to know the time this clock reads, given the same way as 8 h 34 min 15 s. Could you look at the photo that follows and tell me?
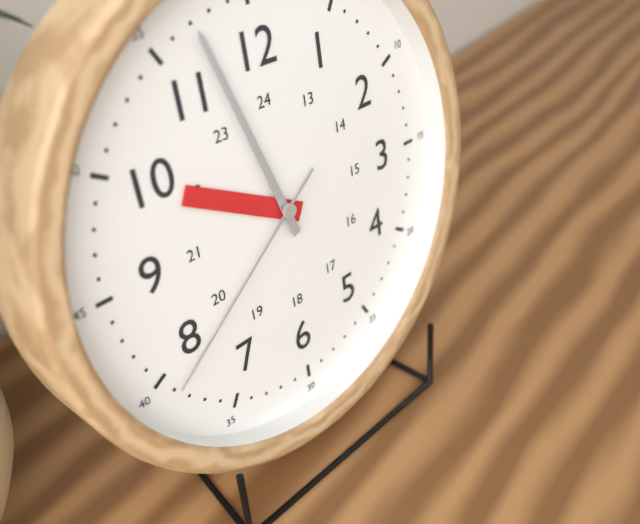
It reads 9 h 57 min 39 s
